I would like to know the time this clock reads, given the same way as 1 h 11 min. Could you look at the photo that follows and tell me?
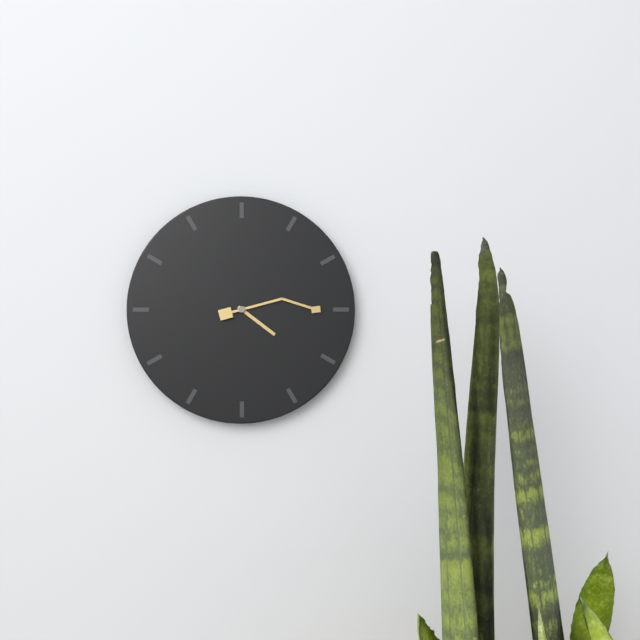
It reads 4 h 15 min
